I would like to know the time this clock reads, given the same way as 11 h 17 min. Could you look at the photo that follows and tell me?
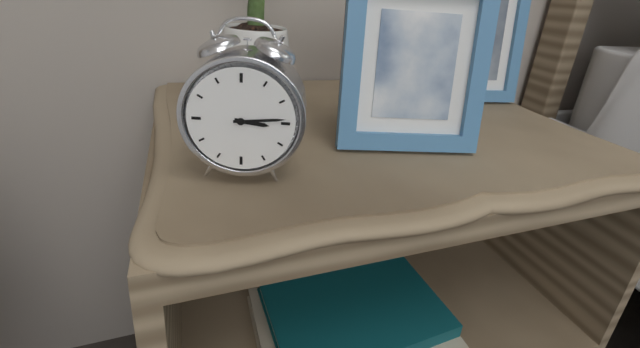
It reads 3 h 14 min
